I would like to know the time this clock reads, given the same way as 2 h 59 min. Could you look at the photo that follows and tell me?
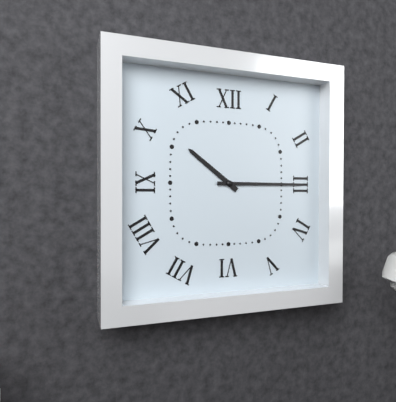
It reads 10 h 15 min
